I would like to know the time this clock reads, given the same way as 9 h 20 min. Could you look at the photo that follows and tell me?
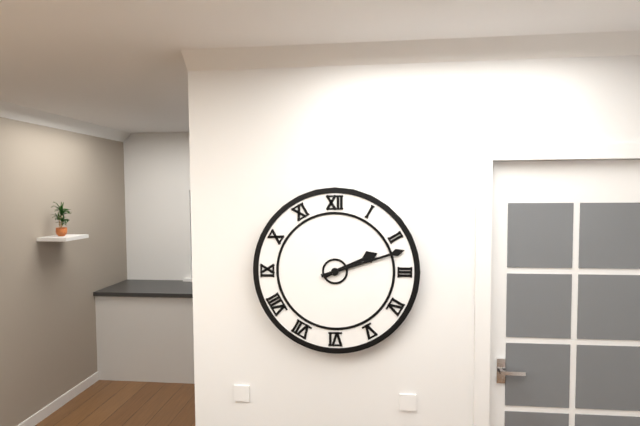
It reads 2 h 12 min
